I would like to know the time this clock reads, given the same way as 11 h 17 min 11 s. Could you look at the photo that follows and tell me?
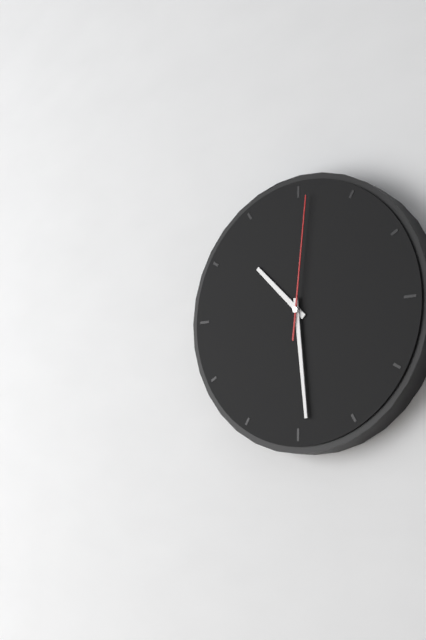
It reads 10 h 29 min 01 s
